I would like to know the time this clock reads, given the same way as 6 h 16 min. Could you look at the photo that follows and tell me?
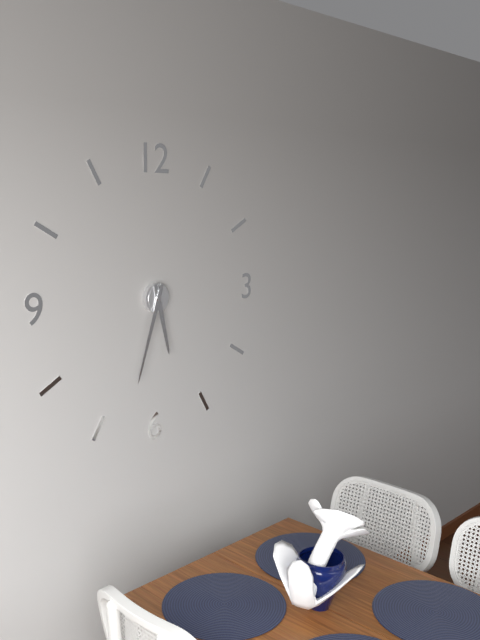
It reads 5 h 33 min
